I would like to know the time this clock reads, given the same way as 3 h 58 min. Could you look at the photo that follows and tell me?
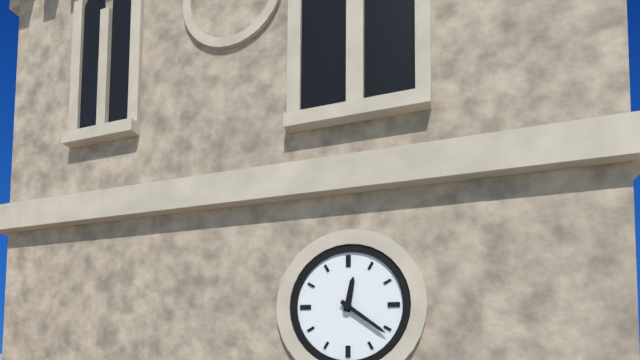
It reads 12 h 21 min
